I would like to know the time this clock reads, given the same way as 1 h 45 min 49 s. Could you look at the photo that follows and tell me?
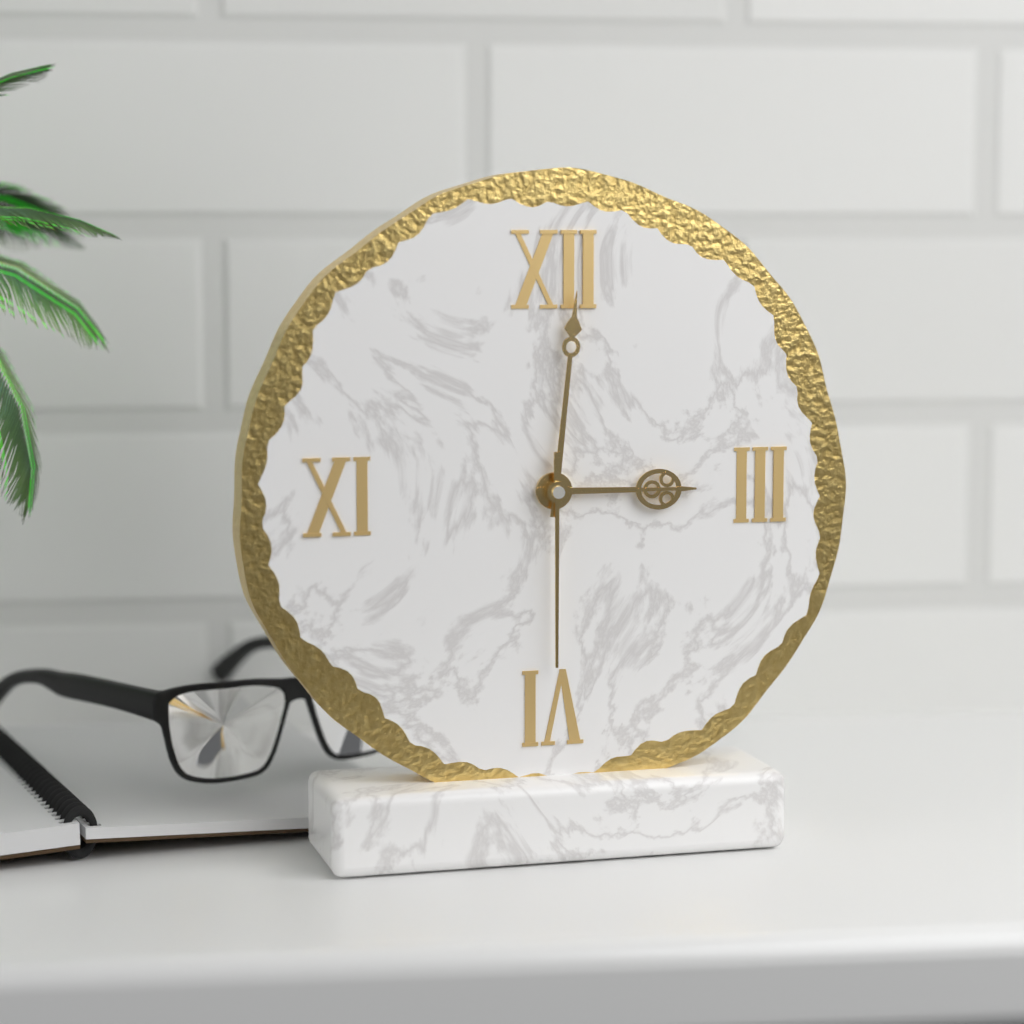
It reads 3 h 01 min 30 s
